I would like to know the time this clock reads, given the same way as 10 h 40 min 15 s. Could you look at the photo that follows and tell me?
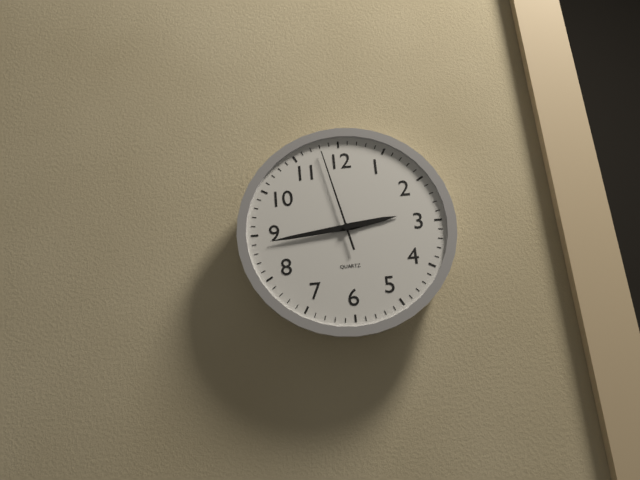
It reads 2 h 44 min 58 s
